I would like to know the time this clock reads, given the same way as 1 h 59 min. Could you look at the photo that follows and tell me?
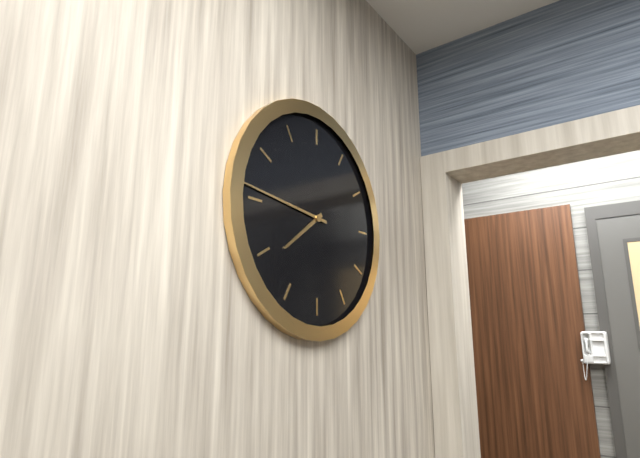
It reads 7 h 46 min
